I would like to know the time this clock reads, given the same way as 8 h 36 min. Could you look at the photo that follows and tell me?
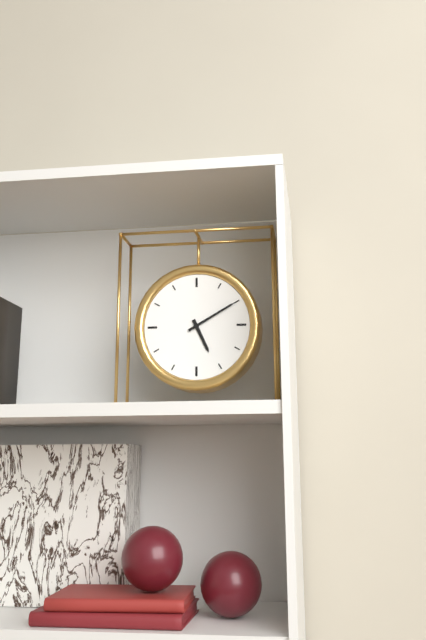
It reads 5 h 10 min
